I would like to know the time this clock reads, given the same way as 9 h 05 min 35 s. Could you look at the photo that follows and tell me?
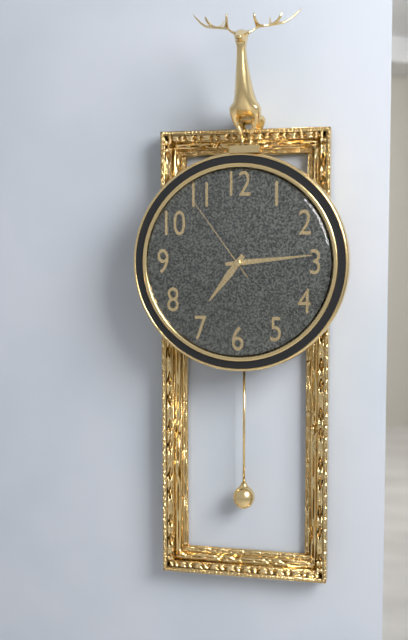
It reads 7 h 14 min 54 s
